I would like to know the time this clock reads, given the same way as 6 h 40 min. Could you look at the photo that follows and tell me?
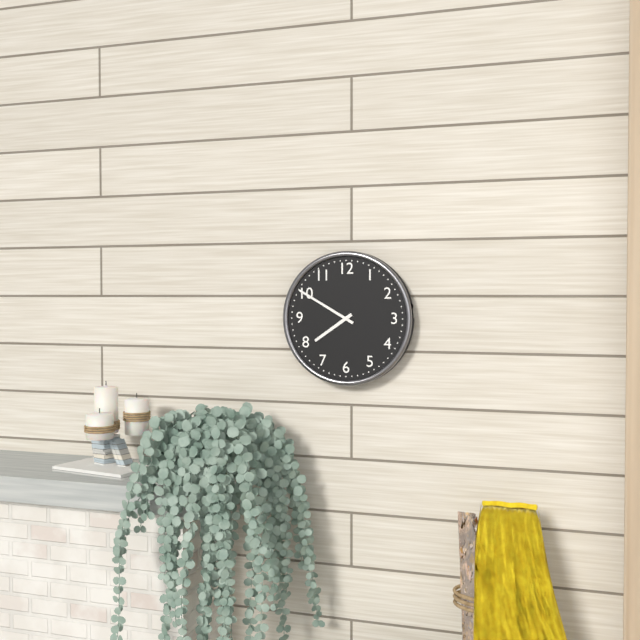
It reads 7 h 50 min
